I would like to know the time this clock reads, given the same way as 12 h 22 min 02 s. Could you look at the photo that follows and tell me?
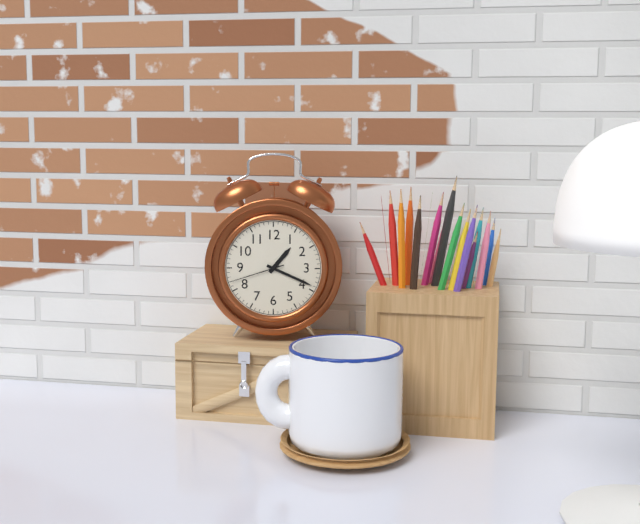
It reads 1 h 19 min 42 s
